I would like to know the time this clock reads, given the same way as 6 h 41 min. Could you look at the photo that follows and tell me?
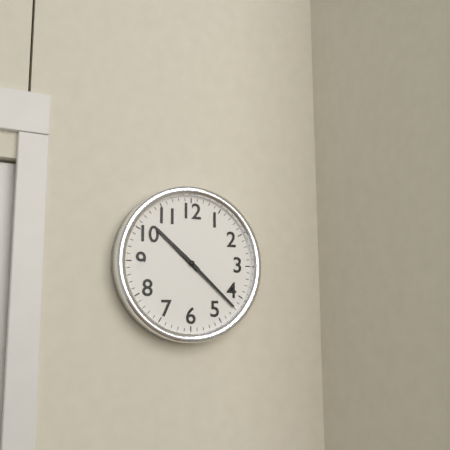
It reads 10 h 22 min
